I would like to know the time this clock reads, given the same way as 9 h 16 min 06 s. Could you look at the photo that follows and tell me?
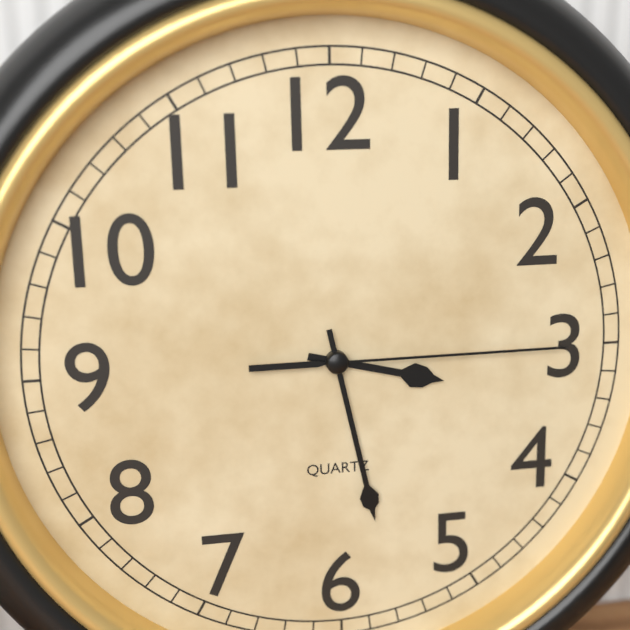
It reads 3 h 28 min 15 s
